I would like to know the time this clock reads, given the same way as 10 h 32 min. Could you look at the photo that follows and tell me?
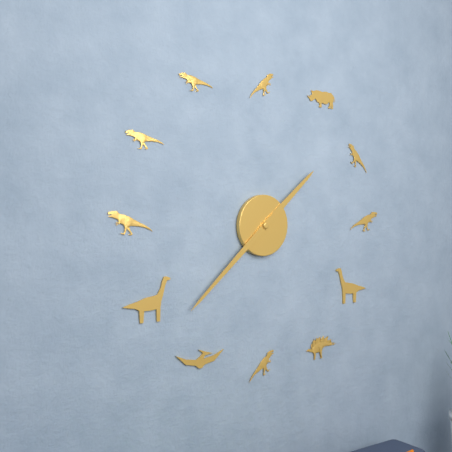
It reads 1 h 38 min
